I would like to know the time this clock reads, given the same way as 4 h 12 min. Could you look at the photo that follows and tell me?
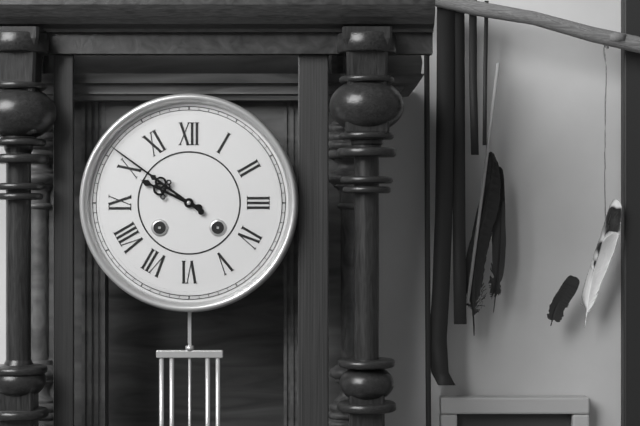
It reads 9 h 51 min
